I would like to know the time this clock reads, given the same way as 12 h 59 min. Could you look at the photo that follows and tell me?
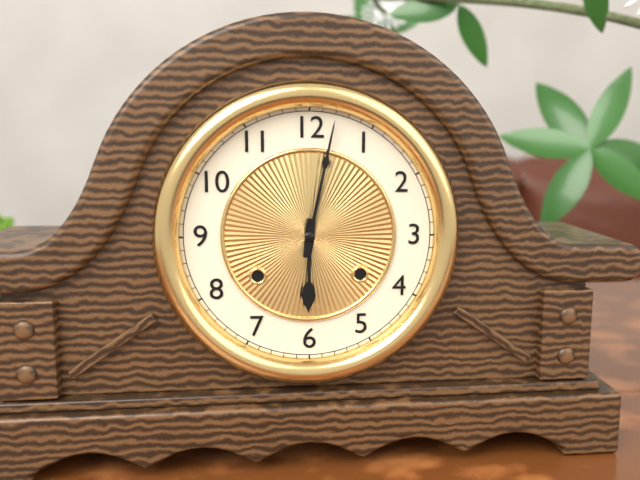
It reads 6 h 02 min
